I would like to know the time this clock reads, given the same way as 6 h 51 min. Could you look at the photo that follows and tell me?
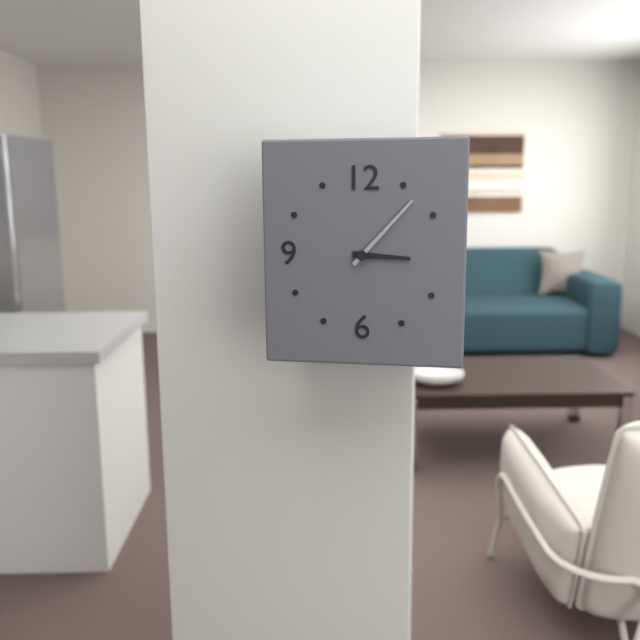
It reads 3 h 07 min
